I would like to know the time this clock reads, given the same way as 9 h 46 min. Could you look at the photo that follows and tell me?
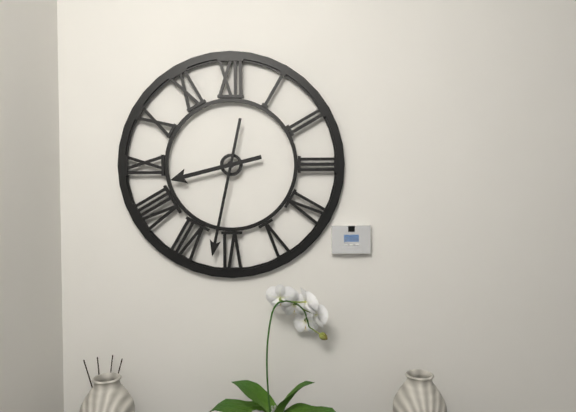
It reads 8 h 32 min
